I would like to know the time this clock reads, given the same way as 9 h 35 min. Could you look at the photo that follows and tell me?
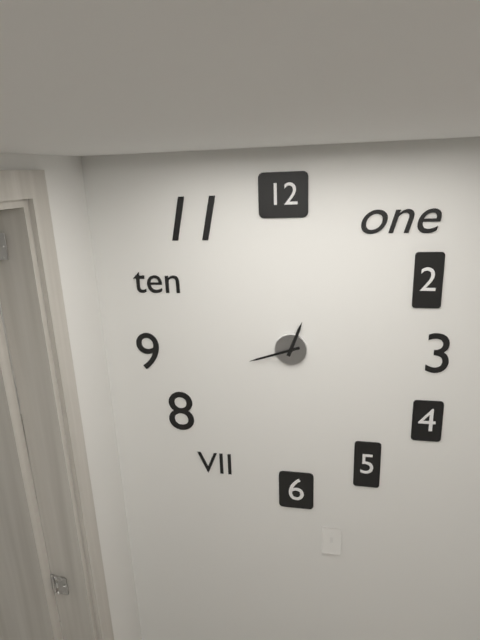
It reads 12 h 42 min
